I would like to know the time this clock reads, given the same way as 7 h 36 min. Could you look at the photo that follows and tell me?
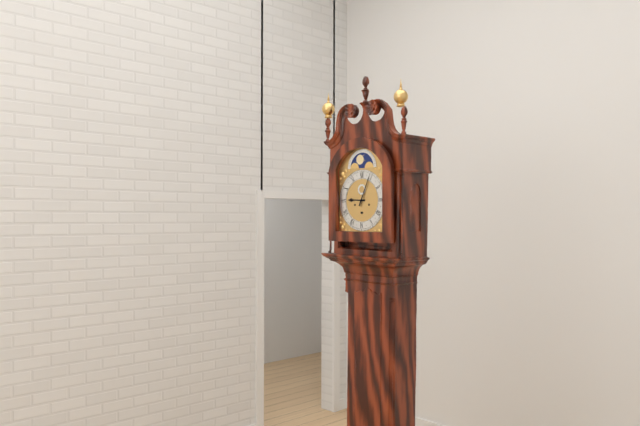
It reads 9 h 04 min
